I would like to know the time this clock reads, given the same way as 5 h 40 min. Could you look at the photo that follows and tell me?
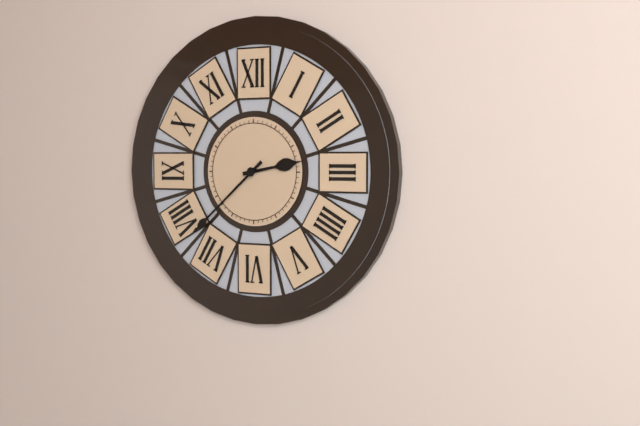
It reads 2 h 38 min
